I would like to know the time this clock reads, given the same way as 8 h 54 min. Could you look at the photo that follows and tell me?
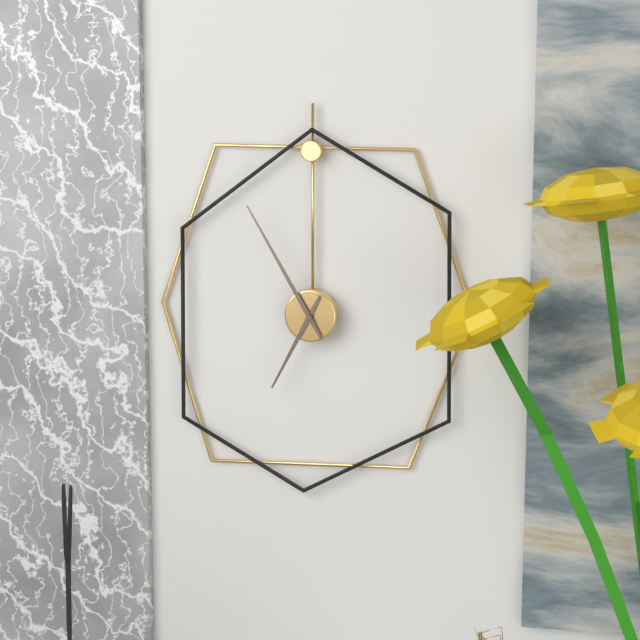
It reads 6 h 55 min
